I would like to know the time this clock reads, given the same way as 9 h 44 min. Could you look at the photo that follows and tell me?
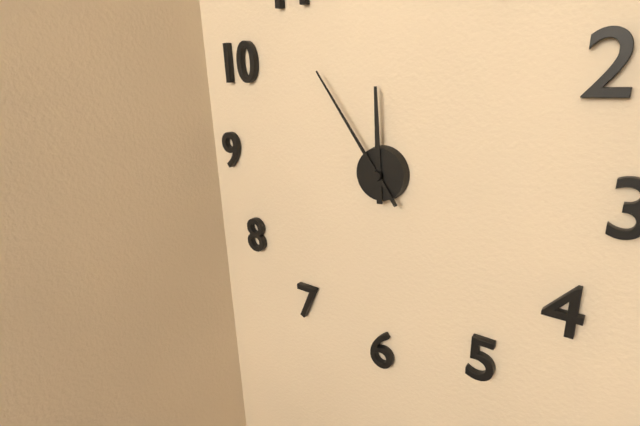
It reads 11 h 54 min
